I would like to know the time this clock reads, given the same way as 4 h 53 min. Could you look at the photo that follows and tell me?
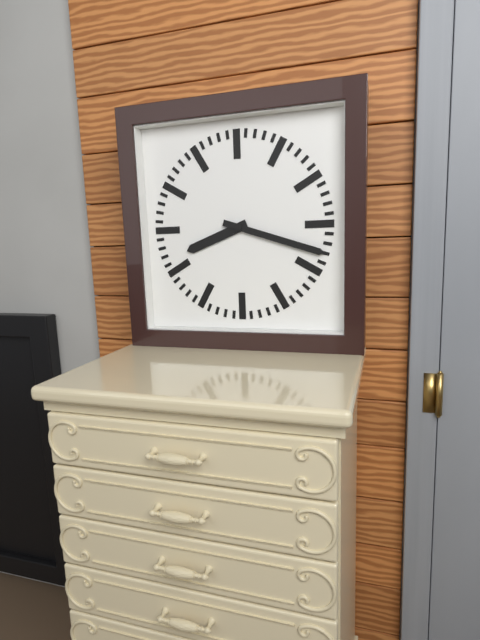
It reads 8 h 18 min
